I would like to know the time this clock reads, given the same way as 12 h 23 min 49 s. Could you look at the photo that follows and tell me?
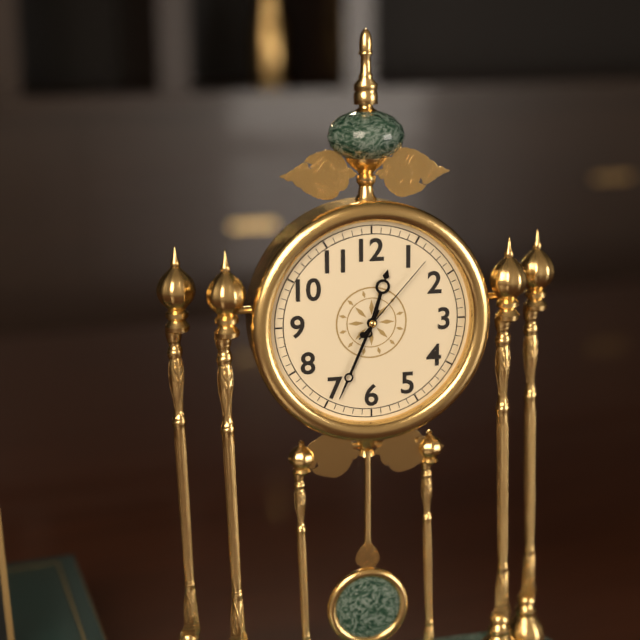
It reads 12 h 34 min 07 s
